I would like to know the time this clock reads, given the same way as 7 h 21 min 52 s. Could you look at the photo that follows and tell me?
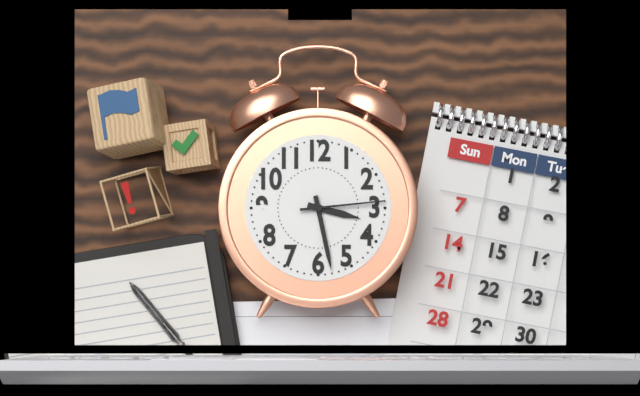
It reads 3 h 28 min 14 s
